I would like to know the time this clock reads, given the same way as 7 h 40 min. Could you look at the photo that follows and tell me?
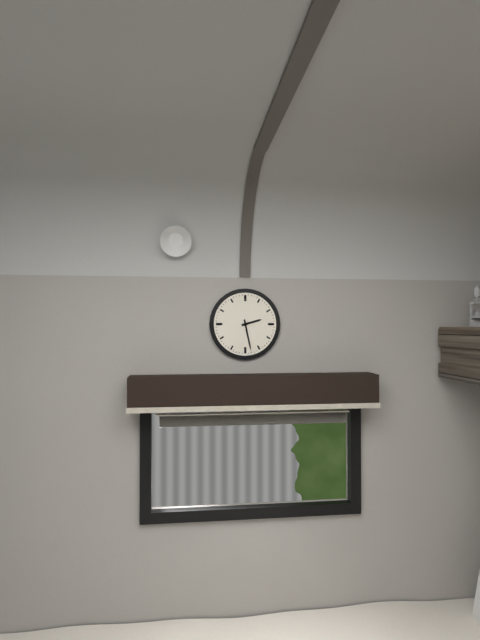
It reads 2 h 28 min
